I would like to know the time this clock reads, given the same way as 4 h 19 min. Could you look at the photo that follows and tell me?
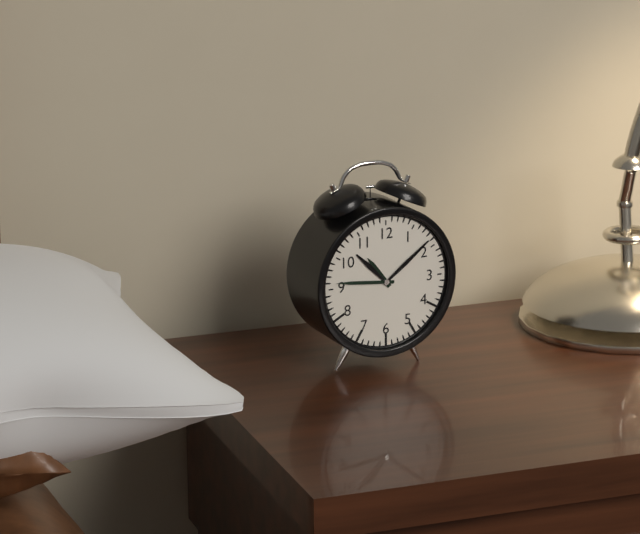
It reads 10 h 46 min
